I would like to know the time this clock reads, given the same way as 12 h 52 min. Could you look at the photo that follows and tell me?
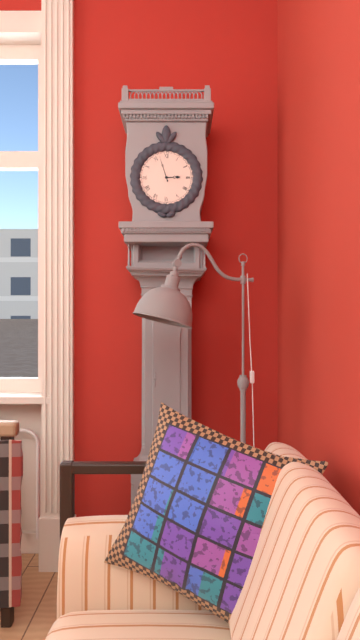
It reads 2 h 57 min
